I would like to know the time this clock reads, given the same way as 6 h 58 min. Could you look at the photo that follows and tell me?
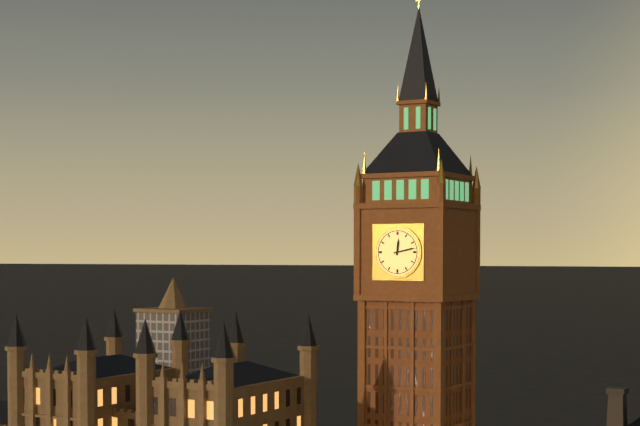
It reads 12 h 13 min
